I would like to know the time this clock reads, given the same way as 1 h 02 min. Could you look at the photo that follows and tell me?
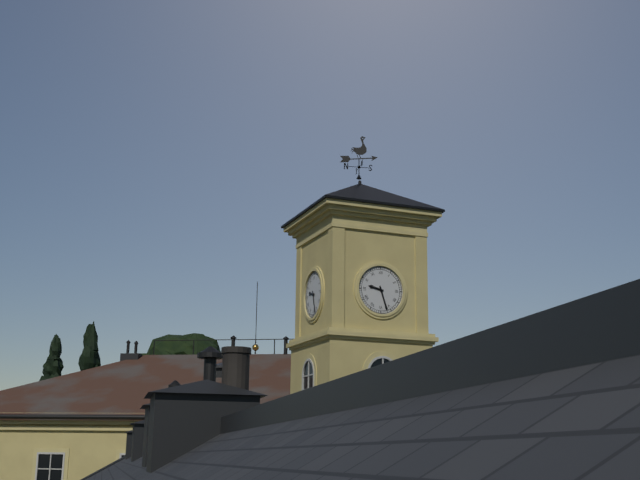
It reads 9 h 27 min
